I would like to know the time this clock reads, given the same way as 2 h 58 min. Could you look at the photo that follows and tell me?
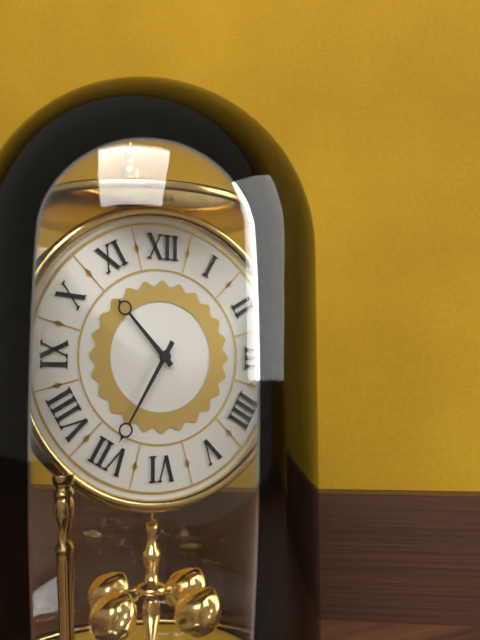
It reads 10 h 35 min
